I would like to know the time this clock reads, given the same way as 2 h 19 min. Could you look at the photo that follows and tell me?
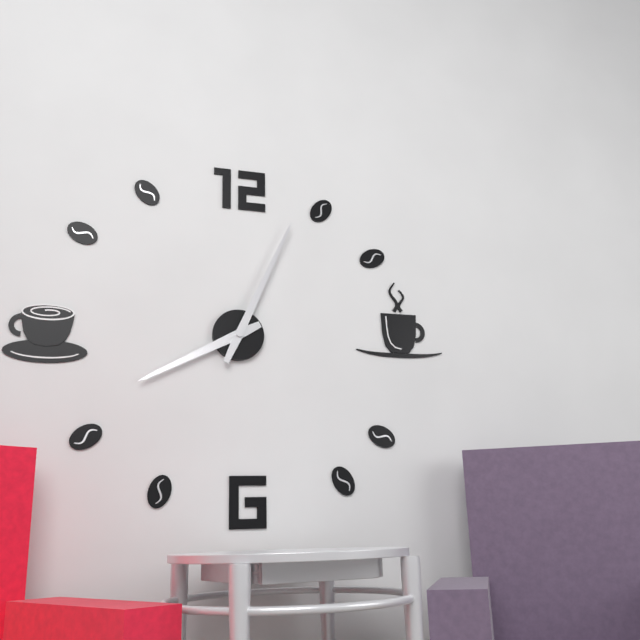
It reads 8 h 04 min
